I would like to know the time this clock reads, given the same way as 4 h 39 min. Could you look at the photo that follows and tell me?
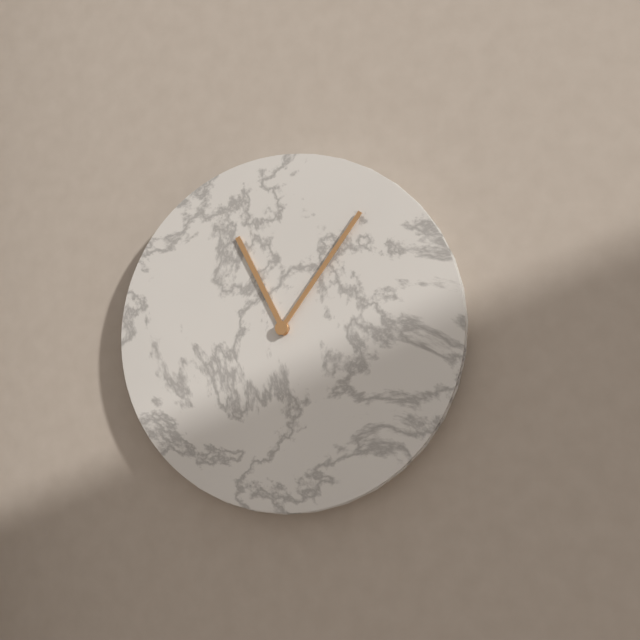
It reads 11 h 06 min
